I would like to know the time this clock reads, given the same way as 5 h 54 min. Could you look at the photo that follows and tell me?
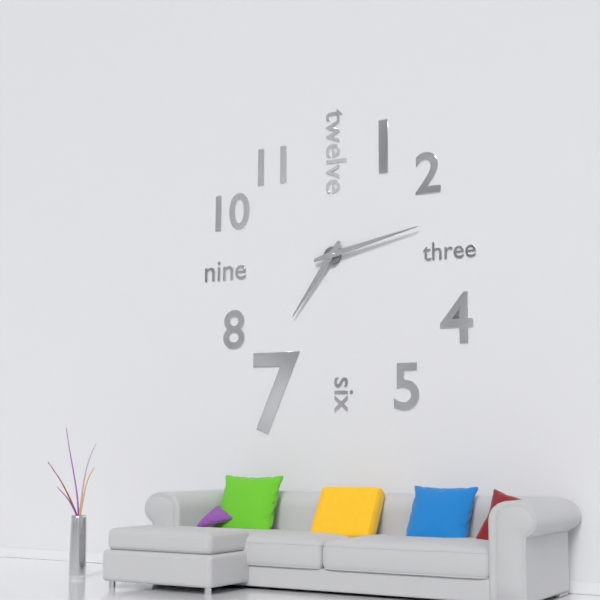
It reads 7 h 13 min
